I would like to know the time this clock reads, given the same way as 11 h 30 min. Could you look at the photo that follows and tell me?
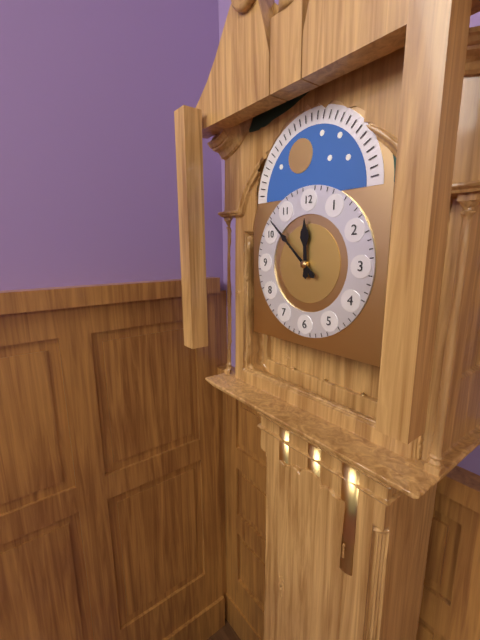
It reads 11 h 52 min
